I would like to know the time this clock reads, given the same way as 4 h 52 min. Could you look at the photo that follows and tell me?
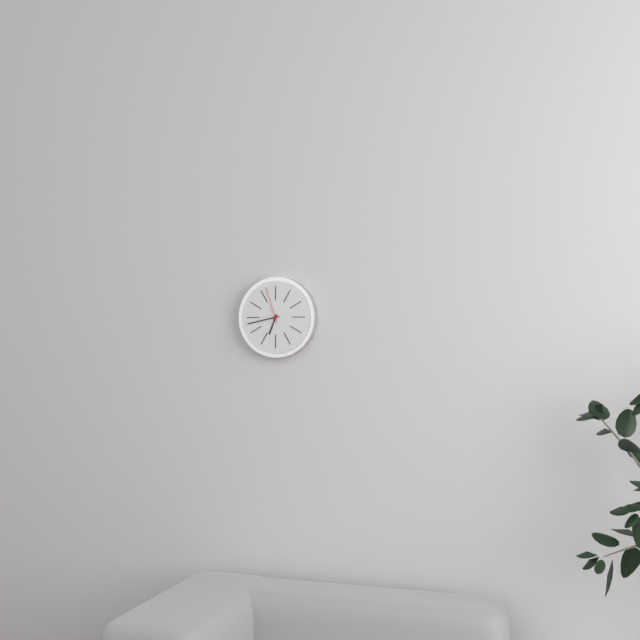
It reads 6 h 43 min
